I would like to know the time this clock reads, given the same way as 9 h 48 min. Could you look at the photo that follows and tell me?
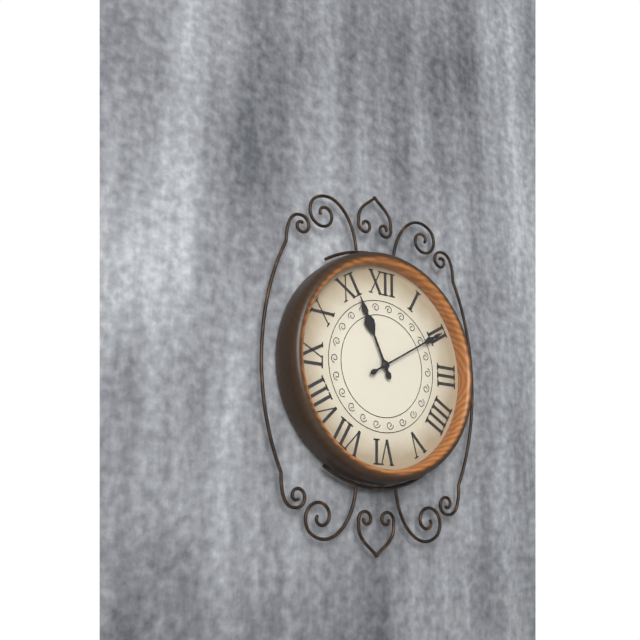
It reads 11 h 10 min
